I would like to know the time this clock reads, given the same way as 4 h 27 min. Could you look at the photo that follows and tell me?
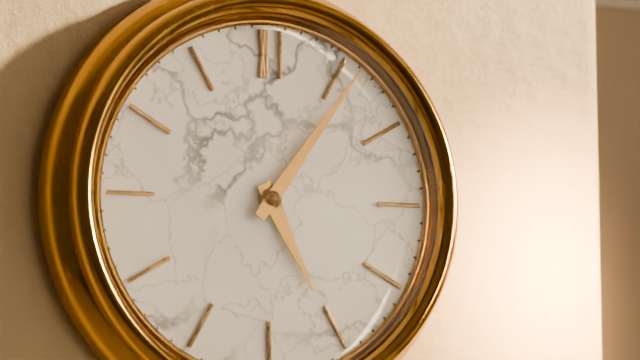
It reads 5 h 06 min
